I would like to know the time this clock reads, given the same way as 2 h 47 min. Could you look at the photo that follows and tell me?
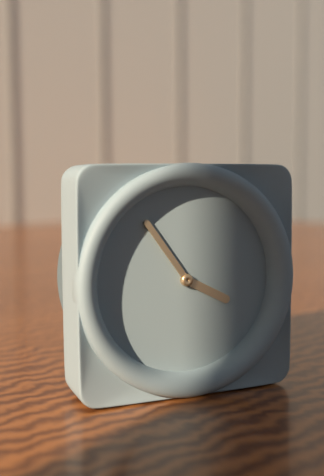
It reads 3 h 54 min
